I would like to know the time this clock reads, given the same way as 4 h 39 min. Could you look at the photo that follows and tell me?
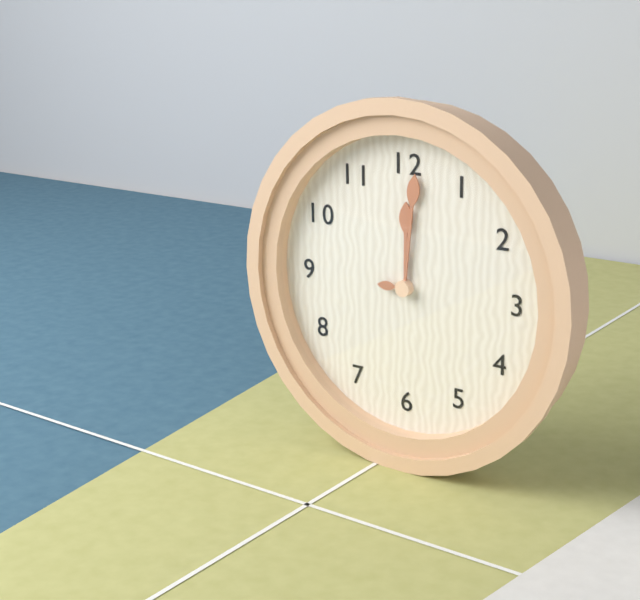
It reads 12 h 01 min
